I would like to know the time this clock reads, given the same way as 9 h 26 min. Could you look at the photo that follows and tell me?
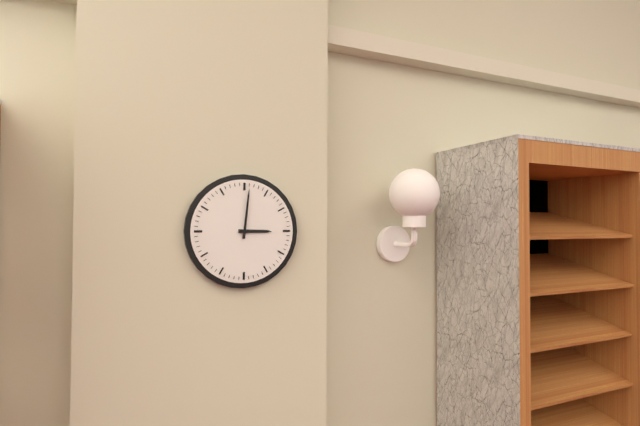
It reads 3 h 01 min
